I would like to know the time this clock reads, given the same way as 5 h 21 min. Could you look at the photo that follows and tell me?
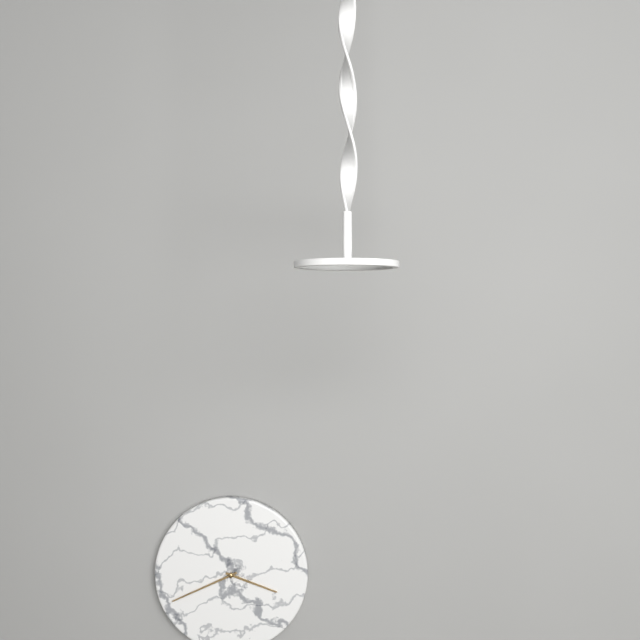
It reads 3 h 41 min
